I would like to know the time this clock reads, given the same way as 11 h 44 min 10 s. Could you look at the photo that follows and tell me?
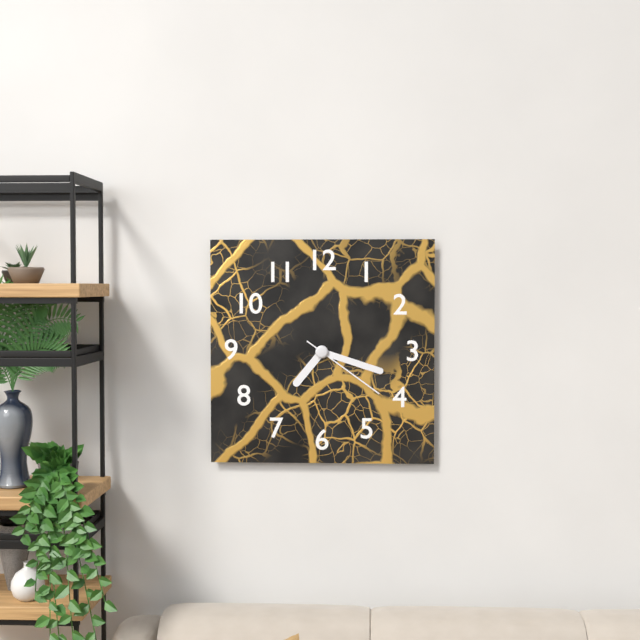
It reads 7 h 18 min 21 s
